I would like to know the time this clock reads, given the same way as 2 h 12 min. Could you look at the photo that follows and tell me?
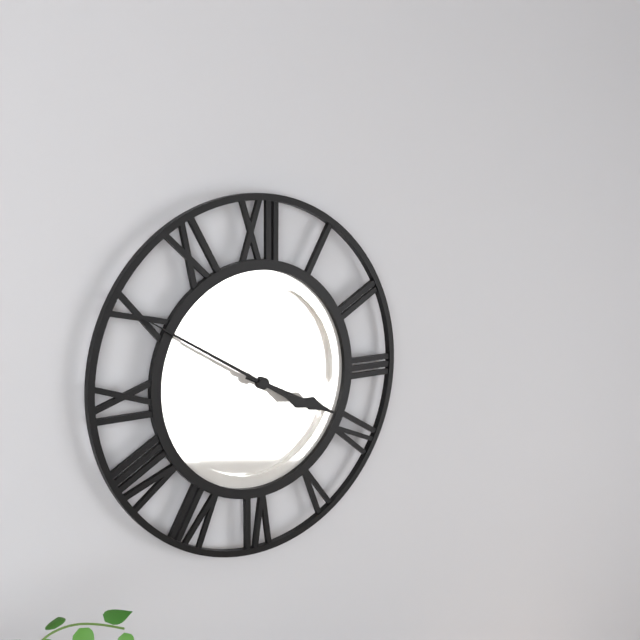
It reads 3 h 50 min
